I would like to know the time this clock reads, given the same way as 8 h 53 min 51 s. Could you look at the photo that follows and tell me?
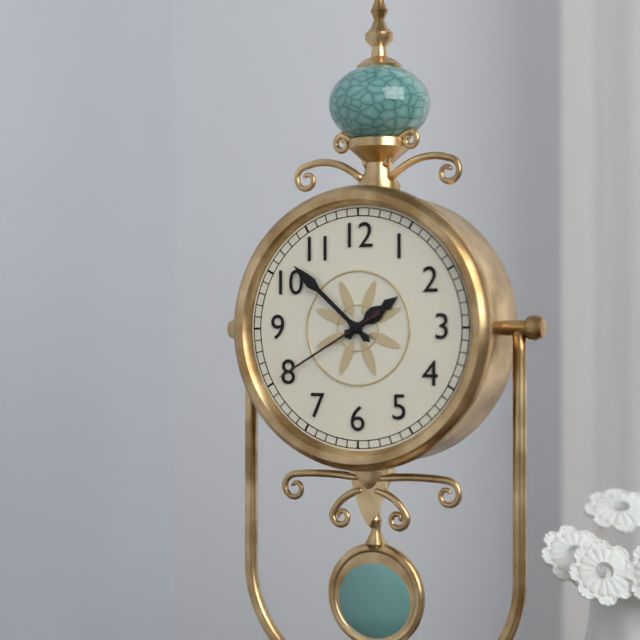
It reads 1 h 52 min 40 s
